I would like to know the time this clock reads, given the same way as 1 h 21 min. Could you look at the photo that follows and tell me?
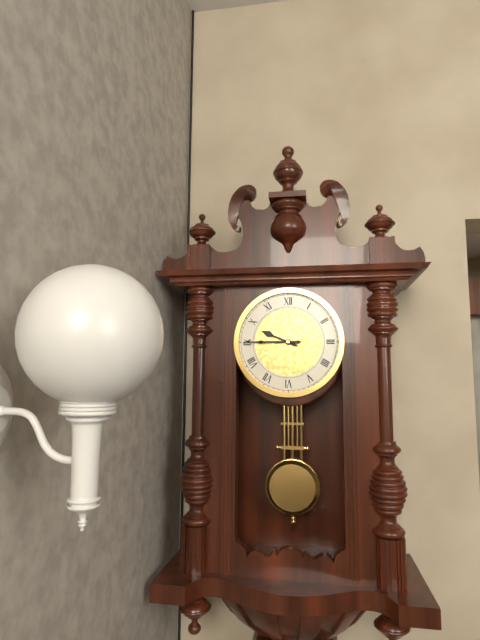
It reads 9 h 45 min
